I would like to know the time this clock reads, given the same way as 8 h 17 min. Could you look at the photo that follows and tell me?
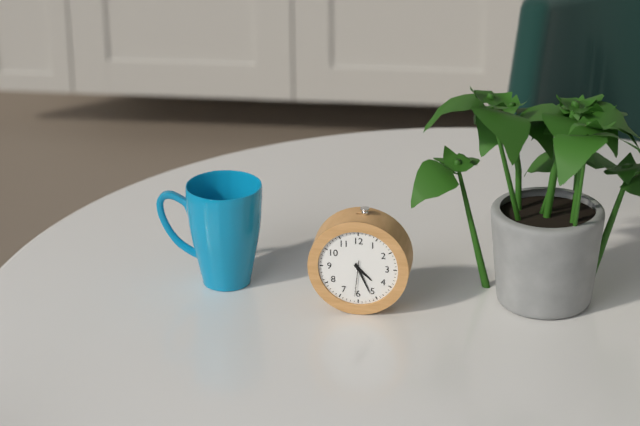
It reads 4 h 26 min
